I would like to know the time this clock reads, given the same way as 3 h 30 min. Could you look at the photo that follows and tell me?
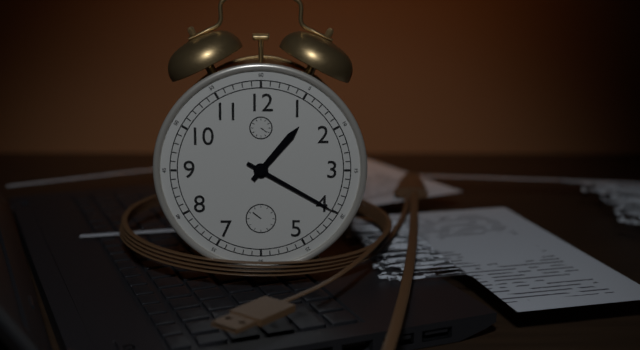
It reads 1 h 20 min
